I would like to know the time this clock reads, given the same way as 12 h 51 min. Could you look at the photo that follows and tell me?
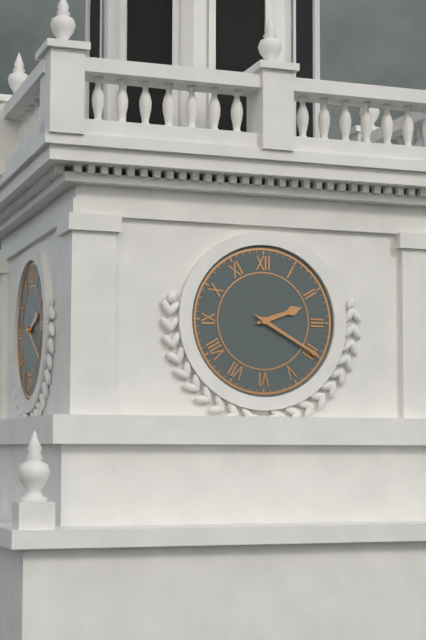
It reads 2 h 20 min
